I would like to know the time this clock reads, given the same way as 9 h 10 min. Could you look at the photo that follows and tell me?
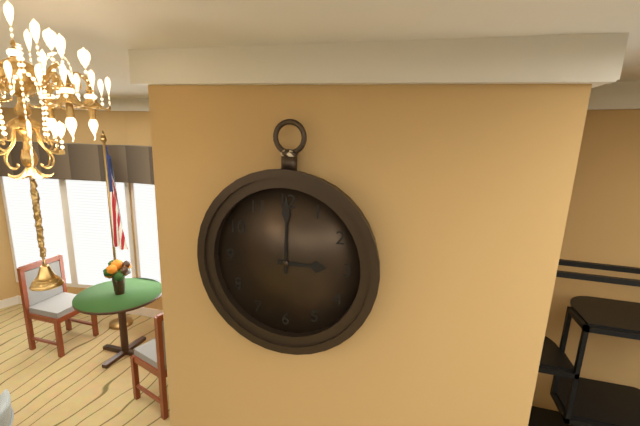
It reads 3 h 00 min
